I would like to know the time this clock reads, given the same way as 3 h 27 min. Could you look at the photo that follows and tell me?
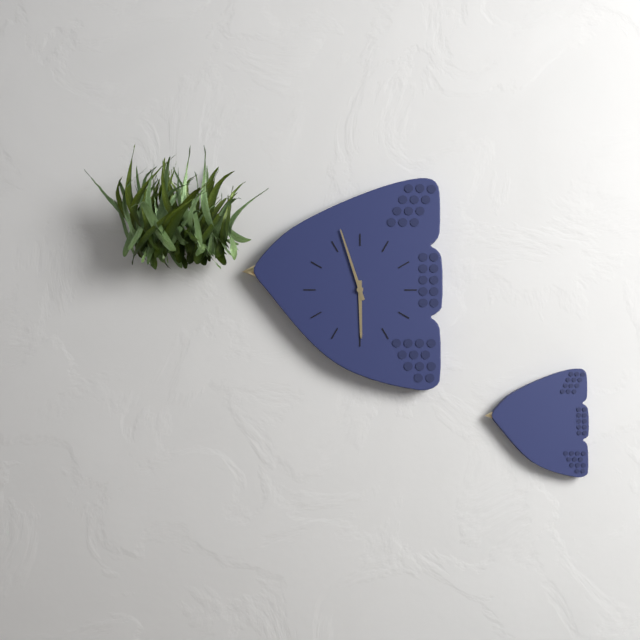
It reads 5 h 57 min
